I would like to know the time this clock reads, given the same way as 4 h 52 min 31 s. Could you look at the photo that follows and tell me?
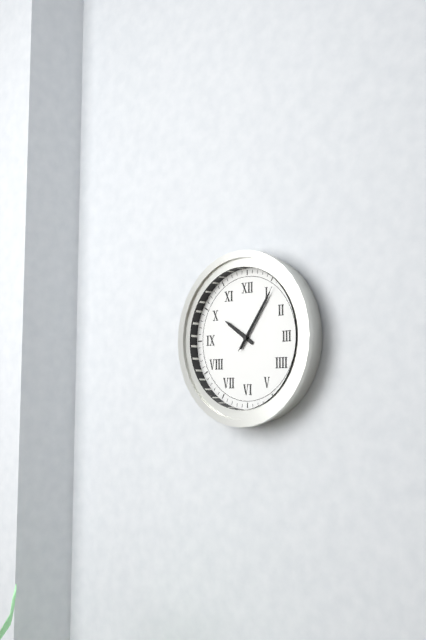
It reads 10 h 06 min 06 s
